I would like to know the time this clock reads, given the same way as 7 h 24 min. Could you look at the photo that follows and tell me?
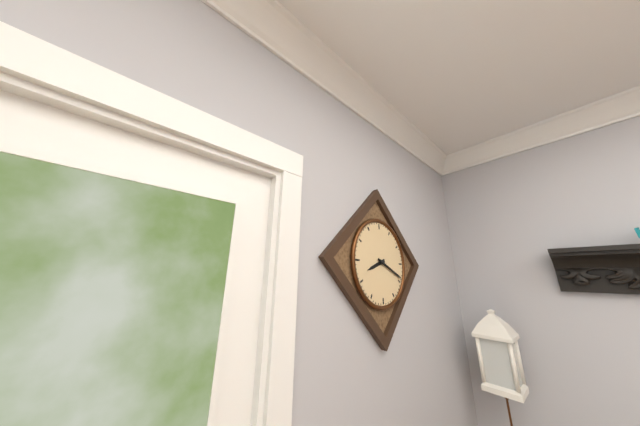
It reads 8 h 19 min
